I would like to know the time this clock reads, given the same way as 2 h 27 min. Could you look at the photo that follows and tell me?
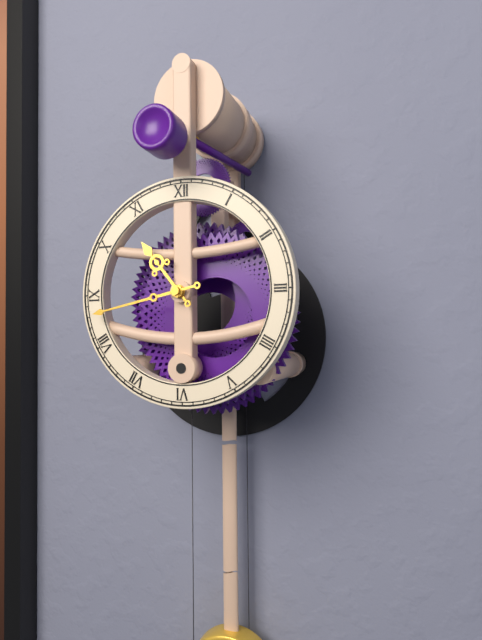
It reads 10 h 43 min
